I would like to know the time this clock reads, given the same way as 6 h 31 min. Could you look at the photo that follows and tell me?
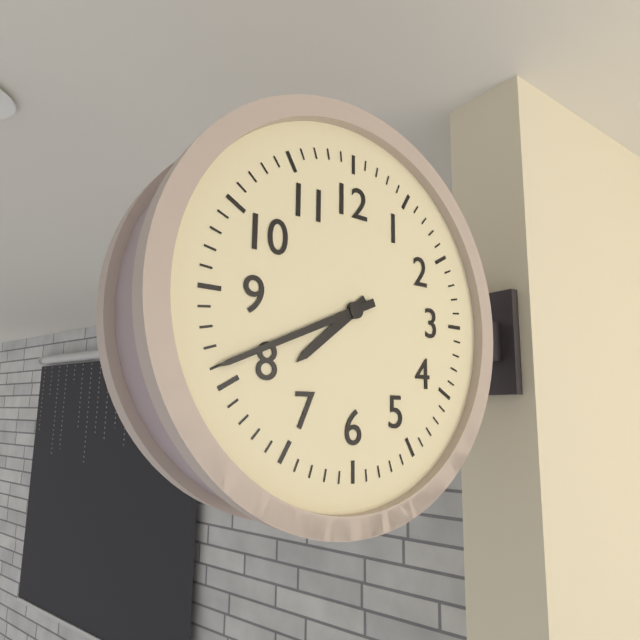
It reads 7 h 41 min
